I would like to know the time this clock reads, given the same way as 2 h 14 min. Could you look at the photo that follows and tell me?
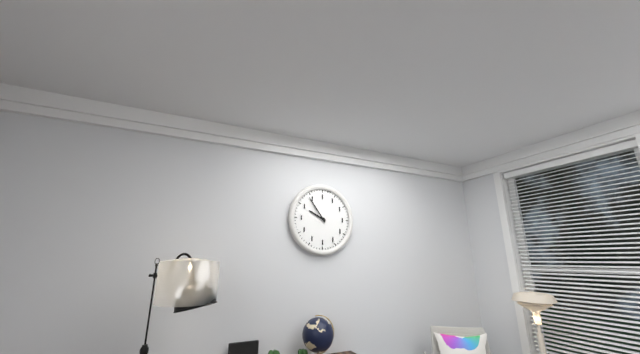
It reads 9 h 54 min
